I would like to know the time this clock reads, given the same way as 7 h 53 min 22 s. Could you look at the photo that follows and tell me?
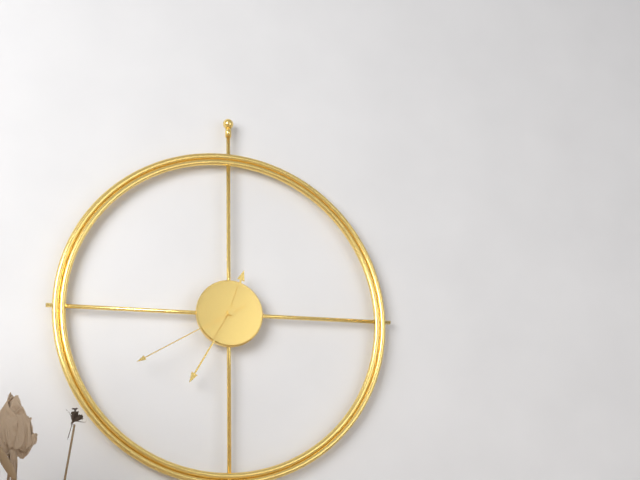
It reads 12 h 35 min 40 s
